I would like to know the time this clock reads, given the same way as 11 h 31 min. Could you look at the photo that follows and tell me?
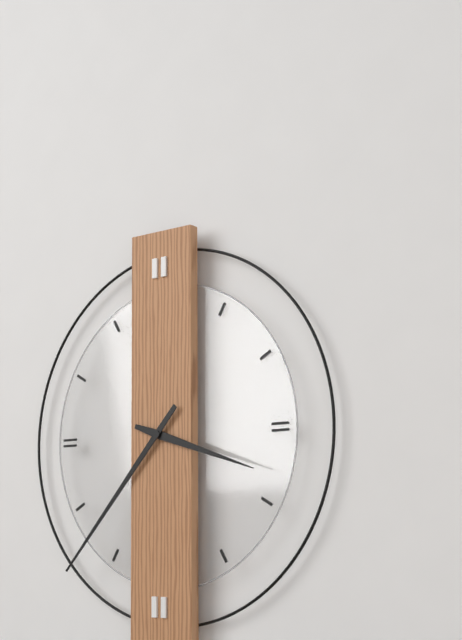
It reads 3 h 37 min
